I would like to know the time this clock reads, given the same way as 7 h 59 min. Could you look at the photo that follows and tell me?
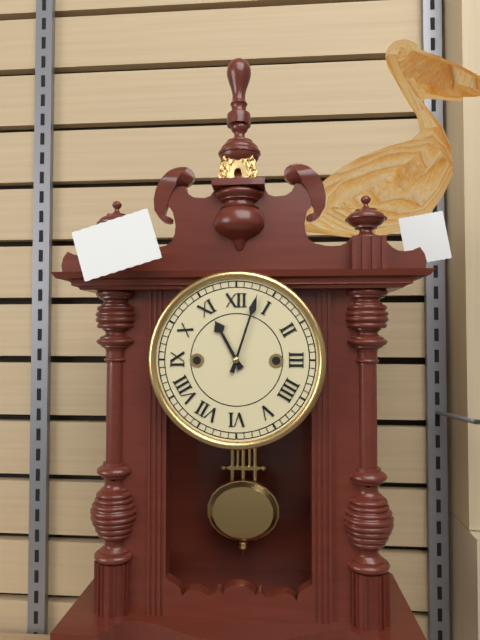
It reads 11 h 03 min
